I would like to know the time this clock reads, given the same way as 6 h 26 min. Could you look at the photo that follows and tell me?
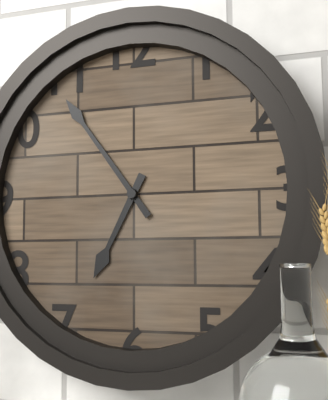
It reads 6 h 54 min
